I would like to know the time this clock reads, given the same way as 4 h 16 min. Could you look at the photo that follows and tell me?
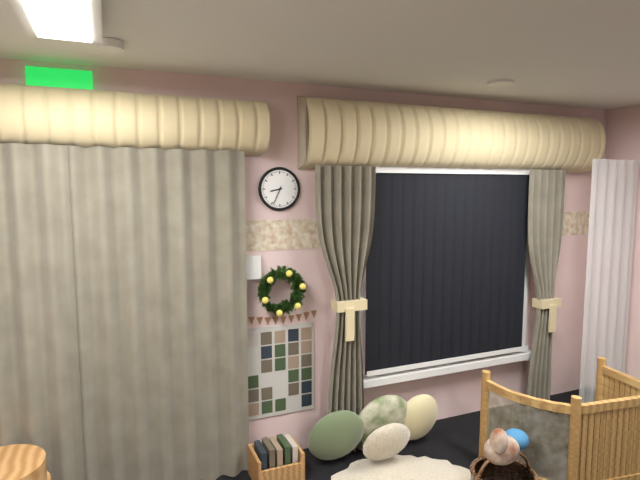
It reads 8 h 34 min
